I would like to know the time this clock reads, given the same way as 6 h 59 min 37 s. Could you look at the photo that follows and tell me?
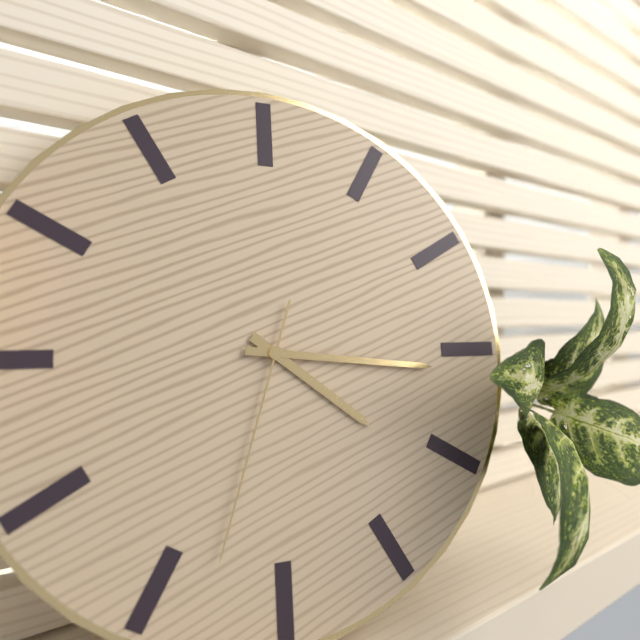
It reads 4 h 16 min 33 s
